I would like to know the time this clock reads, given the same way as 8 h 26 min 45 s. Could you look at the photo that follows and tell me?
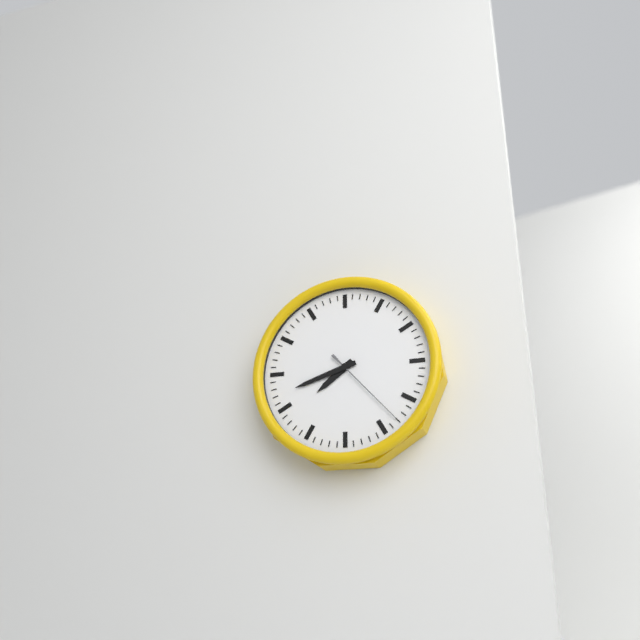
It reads 7 h 42 min 23 s
